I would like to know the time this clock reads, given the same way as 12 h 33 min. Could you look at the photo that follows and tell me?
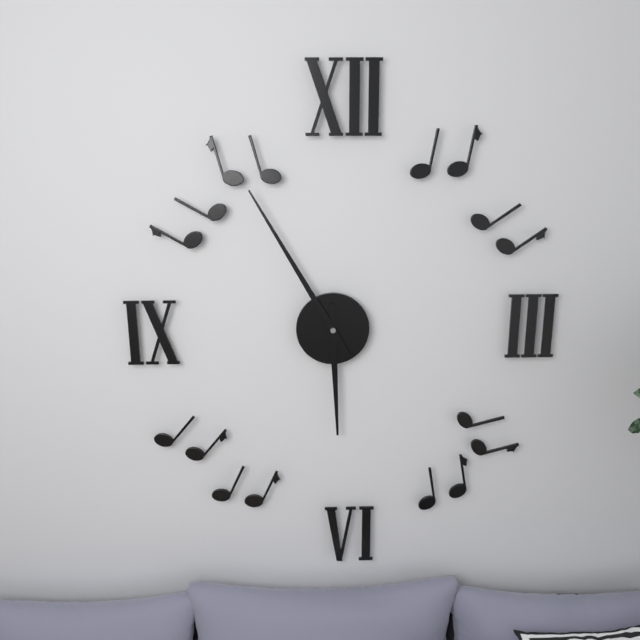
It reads 5 h 55 min
